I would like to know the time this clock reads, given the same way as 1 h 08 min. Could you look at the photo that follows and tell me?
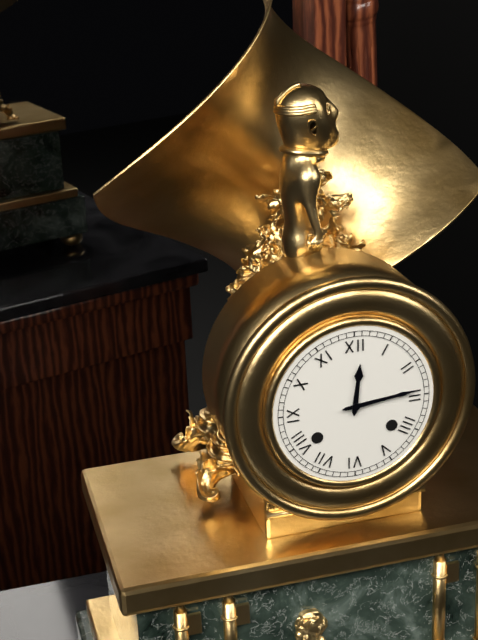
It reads 12 h 14 min
